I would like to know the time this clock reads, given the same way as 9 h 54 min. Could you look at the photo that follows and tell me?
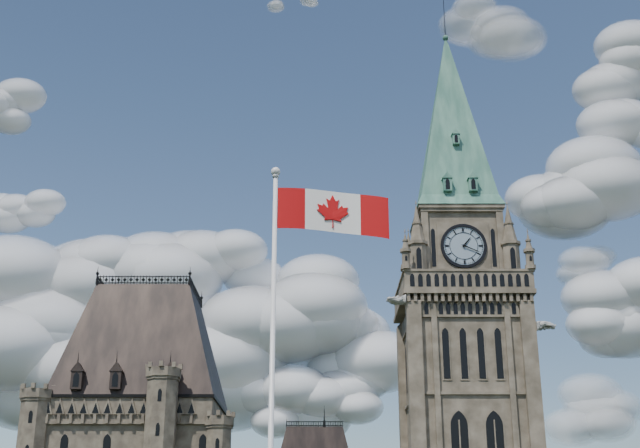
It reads 1 h 19 min
